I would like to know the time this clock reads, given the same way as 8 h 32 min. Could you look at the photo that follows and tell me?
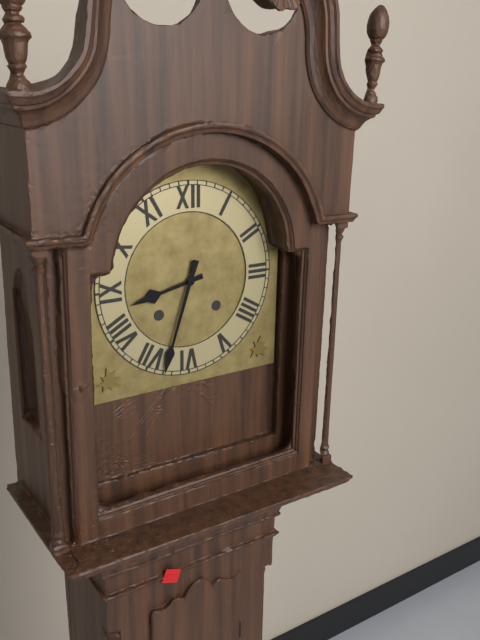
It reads 8 h 33 min
